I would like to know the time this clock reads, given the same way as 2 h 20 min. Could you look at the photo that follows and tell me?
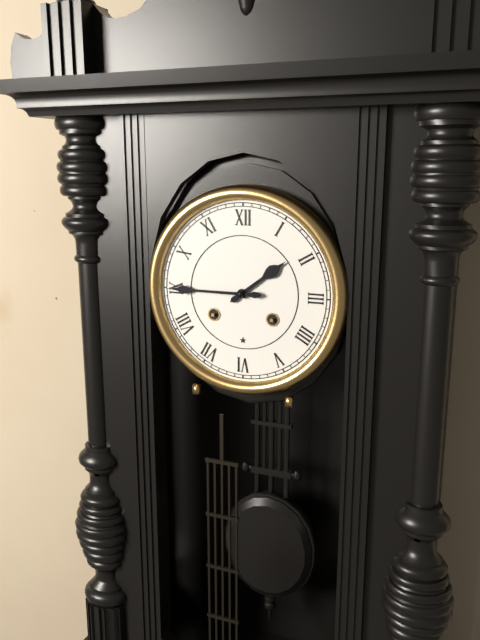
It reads 1 h 45 min
